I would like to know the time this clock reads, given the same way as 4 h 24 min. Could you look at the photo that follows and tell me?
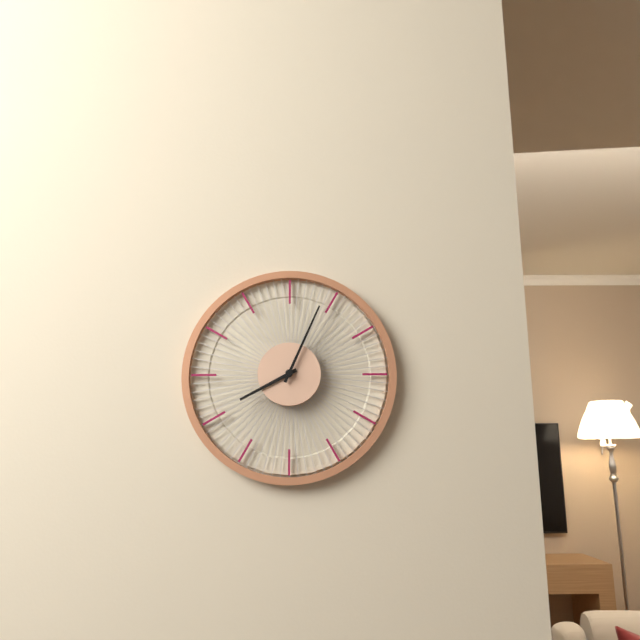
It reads 8 h 04 min
